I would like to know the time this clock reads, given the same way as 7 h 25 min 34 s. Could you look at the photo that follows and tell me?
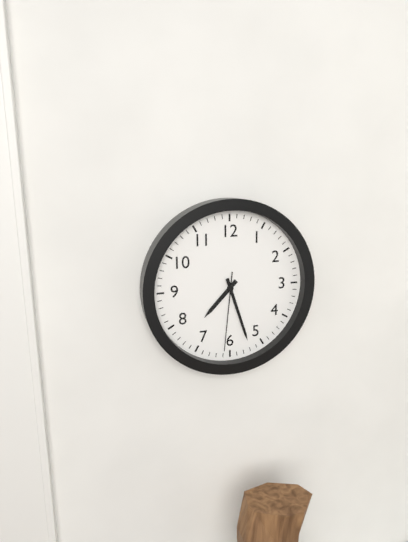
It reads 7 h 27 min 31 s
